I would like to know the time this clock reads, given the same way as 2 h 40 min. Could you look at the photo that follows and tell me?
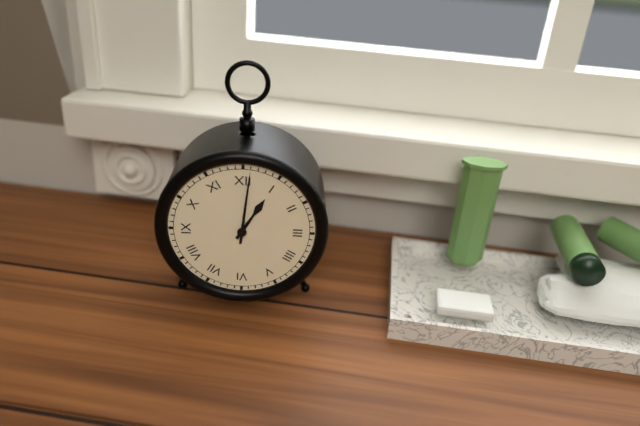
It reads 1 h 01 min
